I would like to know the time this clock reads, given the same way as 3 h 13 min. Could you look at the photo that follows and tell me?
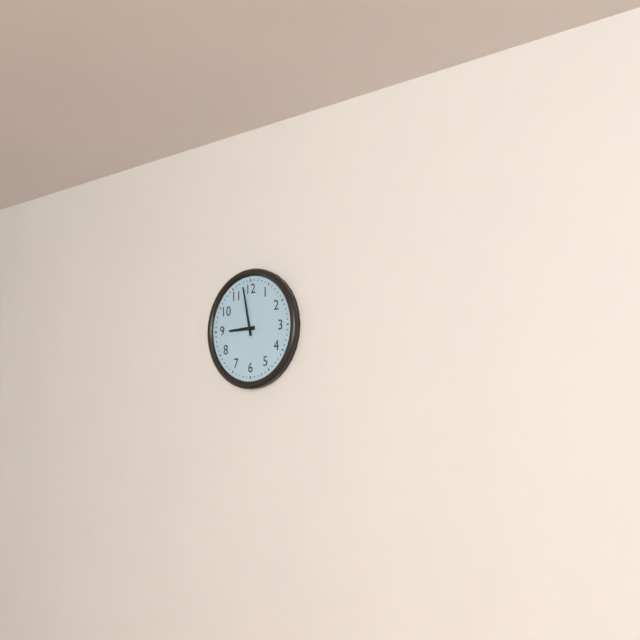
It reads 8 h 58 min
